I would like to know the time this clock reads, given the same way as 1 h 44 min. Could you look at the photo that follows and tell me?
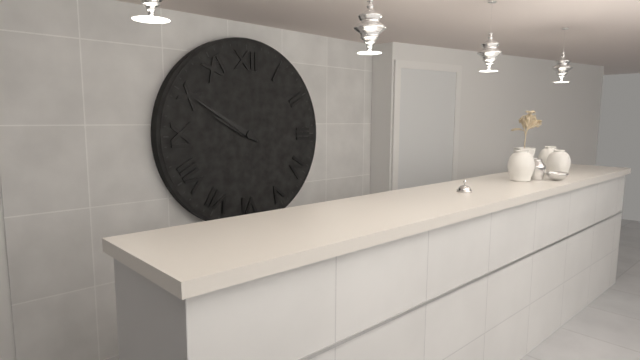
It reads 9 h 50 min
